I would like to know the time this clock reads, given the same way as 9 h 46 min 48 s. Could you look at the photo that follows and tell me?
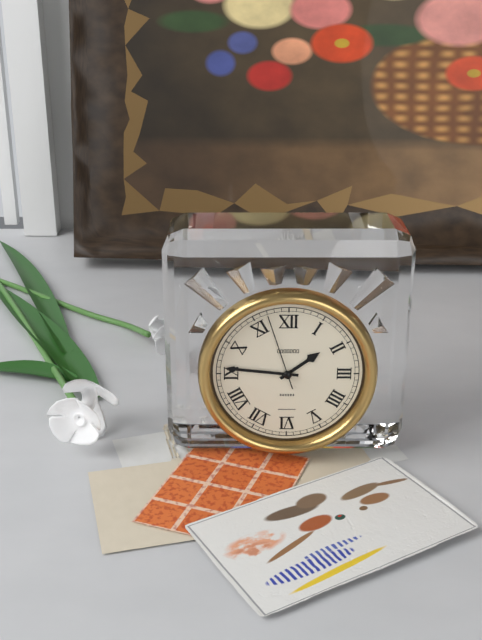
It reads 1 h 46 min 57 s
